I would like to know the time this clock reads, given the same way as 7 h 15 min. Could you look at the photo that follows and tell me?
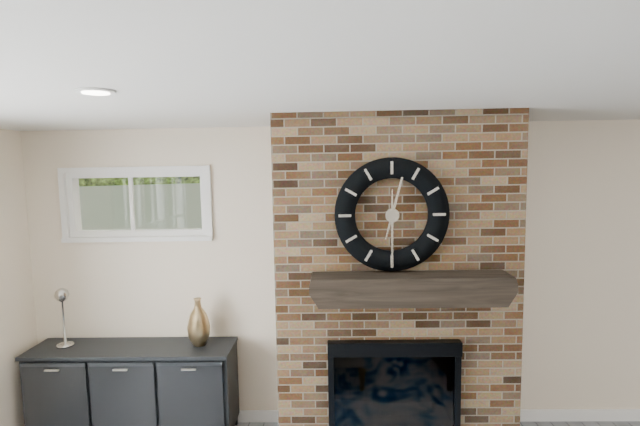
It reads 12 h 30 min
